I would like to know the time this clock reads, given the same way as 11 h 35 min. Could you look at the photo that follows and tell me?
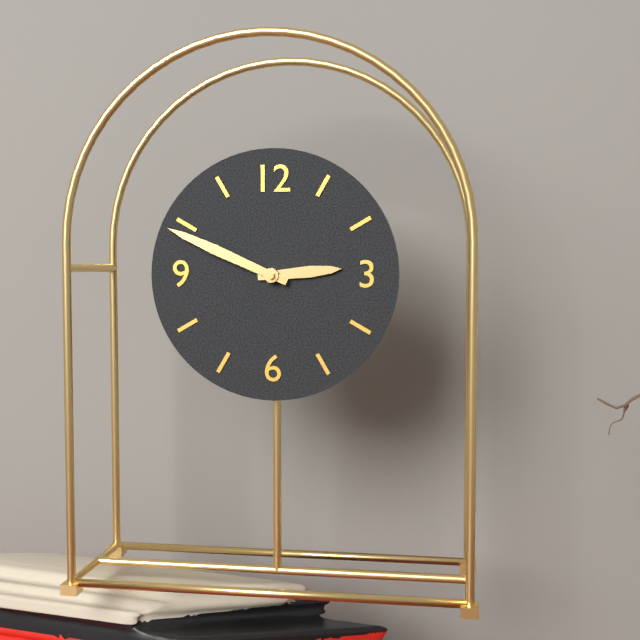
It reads 2 h 49 min
